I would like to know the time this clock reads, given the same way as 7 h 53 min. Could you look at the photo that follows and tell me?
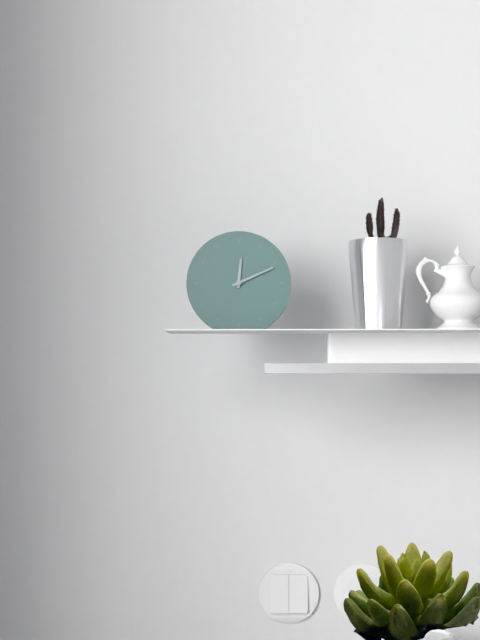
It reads 12 h 11 min
